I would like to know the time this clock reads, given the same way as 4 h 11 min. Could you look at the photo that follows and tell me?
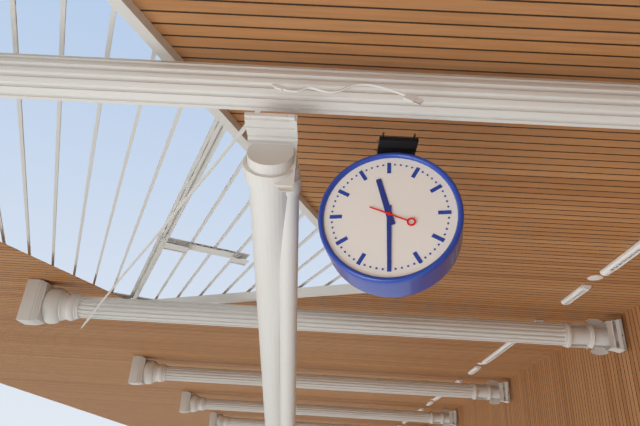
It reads 11 h 30 min
